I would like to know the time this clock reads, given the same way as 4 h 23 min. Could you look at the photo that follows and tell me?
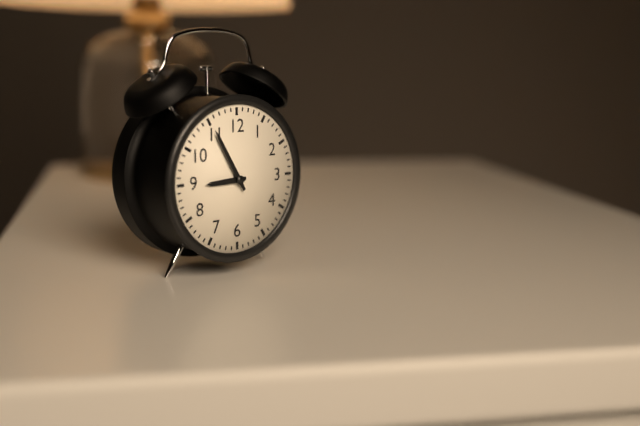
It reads 8 h 55 min
